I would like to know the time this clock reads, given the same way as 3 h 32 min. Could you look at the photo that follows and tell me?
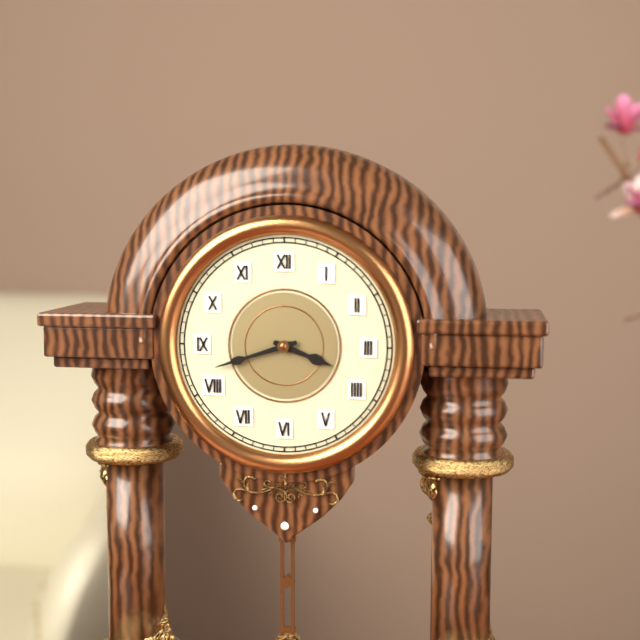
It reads 3 h 42 min
